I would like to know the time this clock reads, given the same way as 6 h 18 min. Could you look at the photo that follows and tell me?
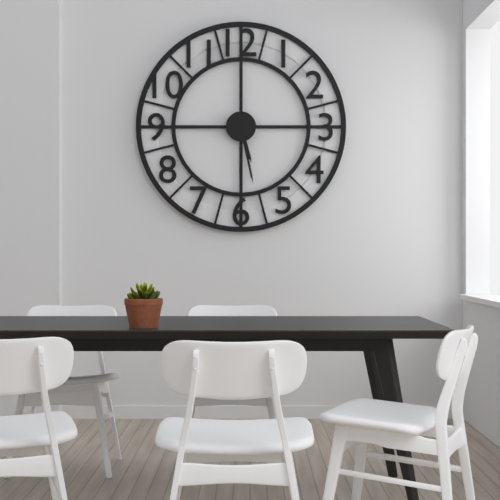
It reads 5 h 28 min
